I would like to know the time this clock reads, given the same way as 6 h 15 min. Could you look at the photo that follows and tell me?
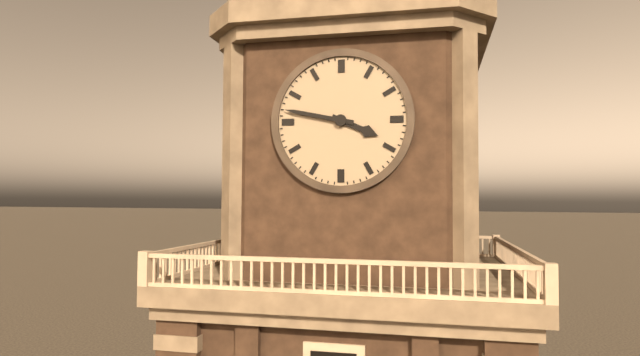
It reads 3 h 47 min
